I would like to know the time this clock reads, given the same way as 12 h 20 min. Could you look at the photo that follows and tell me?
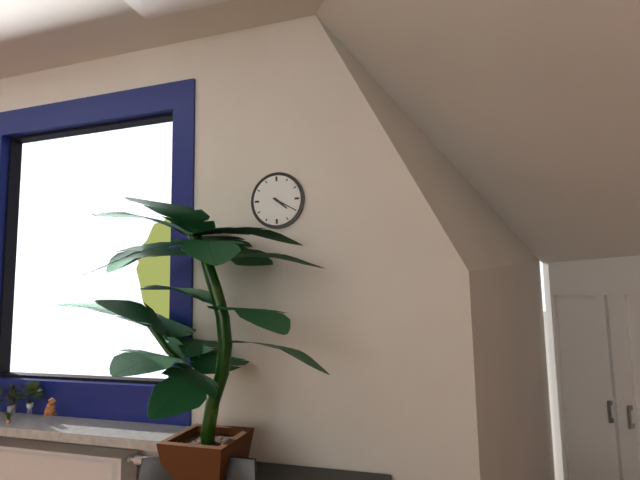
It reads 4 h 20 min
